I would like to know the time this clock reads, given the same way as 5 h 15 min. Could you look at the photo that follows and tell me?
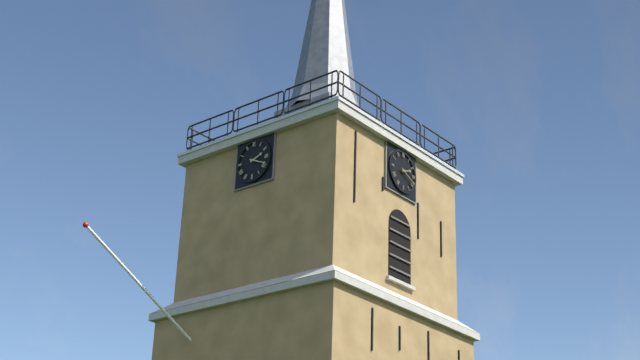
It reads 2 h 19 min
